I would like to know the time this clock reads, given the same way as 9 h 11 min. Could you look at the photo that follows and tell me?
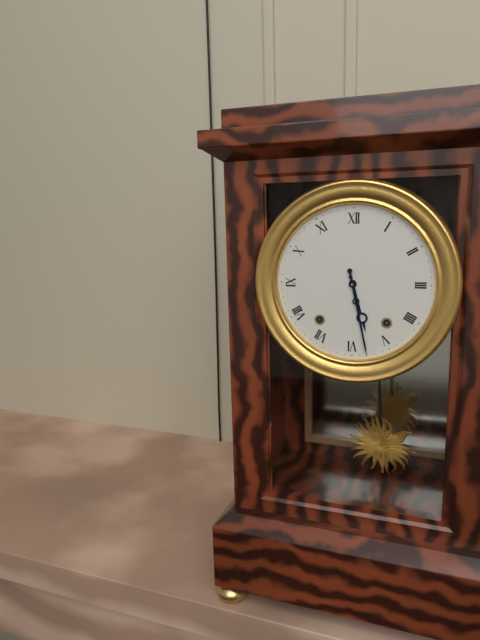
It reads 5 h 28 min
